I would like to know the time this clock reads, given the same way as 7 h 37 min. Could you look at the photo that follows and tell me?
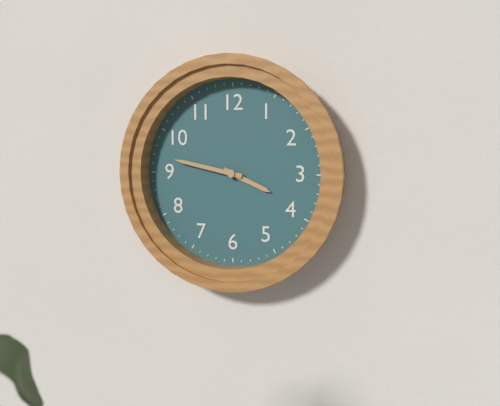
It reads 3 h 47 min
